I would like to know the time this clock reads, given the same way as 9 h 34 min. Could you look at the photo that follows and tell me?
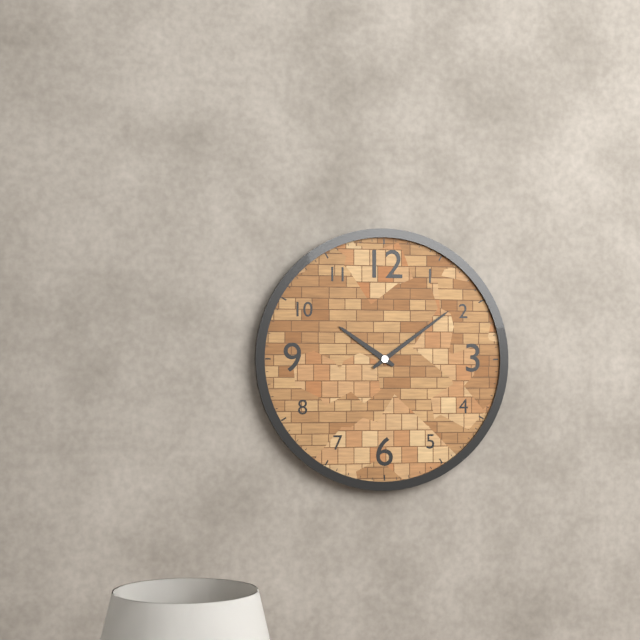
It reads 10 h 09 min
